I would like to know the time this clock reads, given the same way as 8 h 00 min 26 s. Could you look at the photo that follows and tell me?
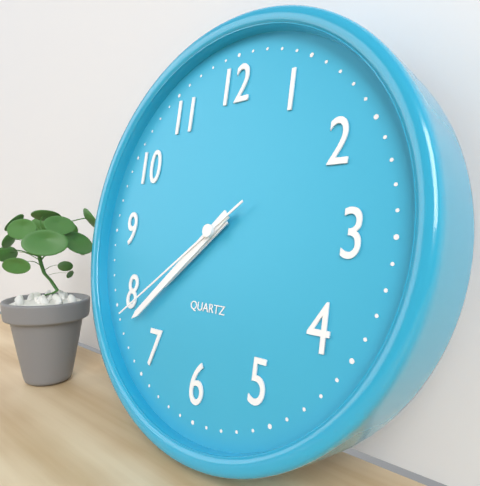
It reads 7 h 38 min 39 s
